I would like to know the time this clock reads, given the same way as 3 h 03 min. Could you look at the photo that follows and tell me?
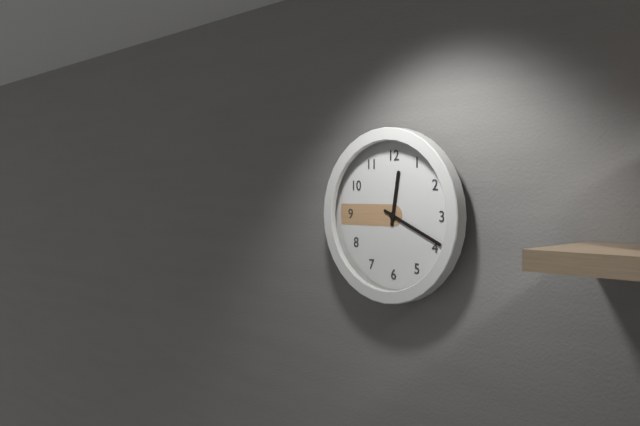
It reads 12 h 19 min
